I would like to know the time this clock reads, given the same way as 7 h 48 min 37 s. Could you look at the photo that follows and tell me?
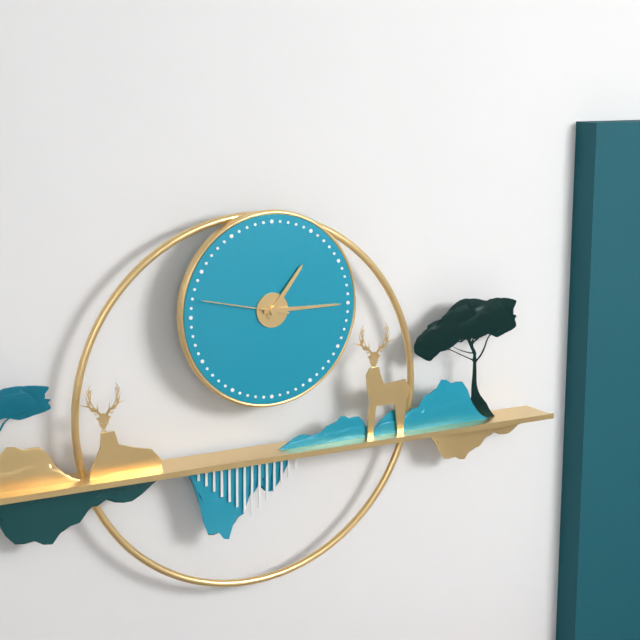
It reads 1 h 15 min 47 s
